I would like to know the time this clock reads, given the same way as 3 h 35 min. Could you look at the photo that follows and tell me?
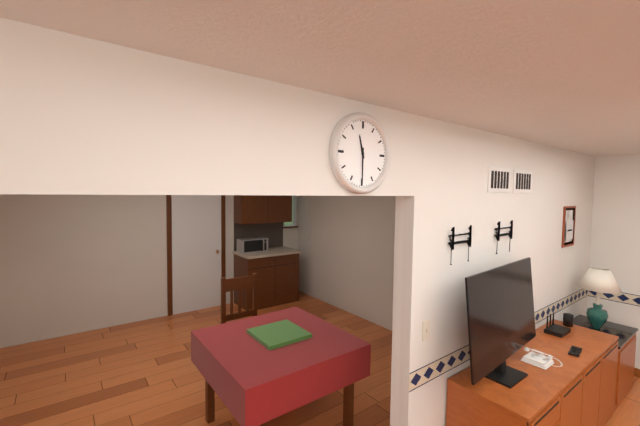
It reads 11 h 30 min
